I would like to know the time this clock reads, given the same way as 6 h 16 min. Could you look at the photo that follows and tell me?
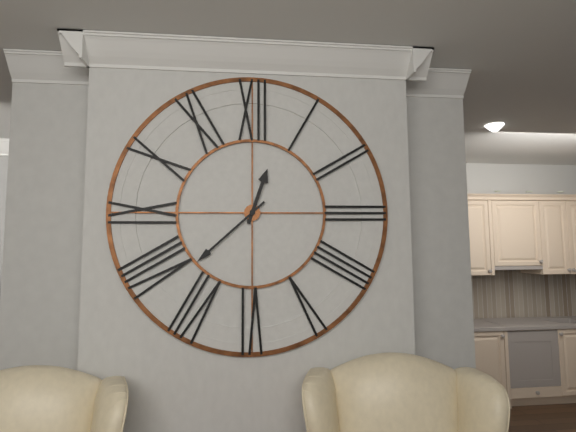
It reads 12 h 38 min
